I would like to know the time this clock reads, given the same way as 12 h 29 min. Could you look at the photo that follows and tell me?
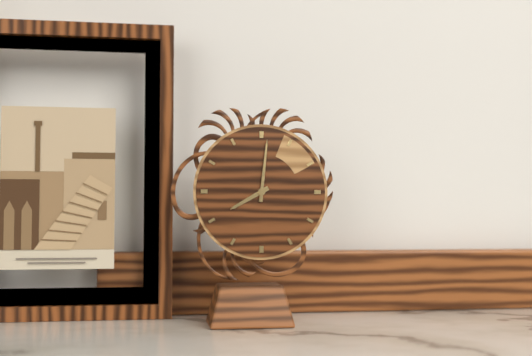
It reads 8 h 01 min
